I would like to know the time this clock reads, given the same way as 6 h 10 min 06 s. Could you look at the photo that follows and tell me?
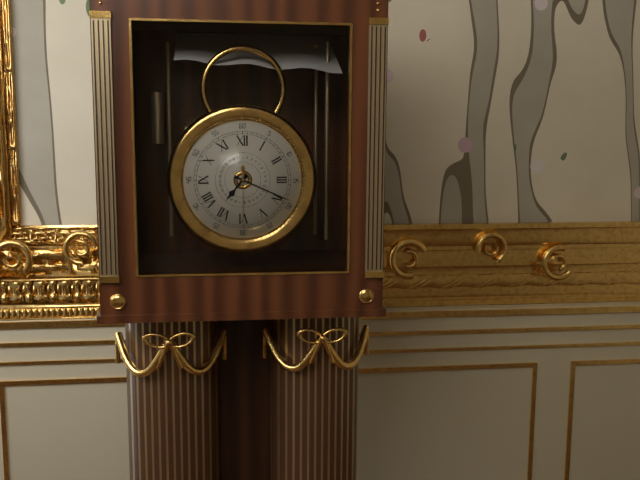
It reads 7 h 19 min 30 s
